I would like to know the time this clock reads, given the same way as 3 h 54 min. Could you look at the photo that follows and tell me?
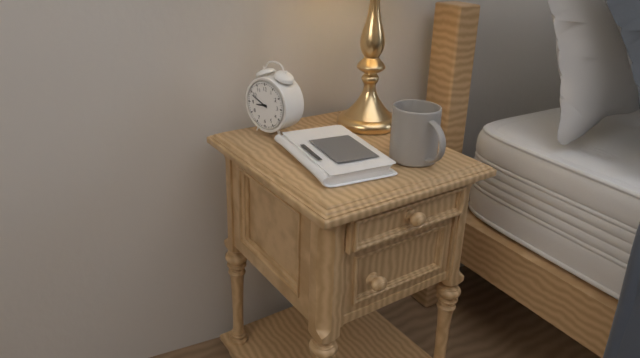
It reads 8 h 49 min
